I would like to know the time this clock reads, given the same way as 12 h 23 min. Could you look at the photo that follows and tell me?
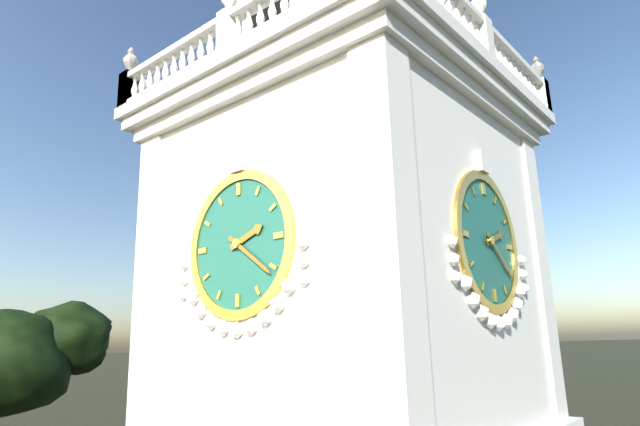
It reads 2 h 21 min
